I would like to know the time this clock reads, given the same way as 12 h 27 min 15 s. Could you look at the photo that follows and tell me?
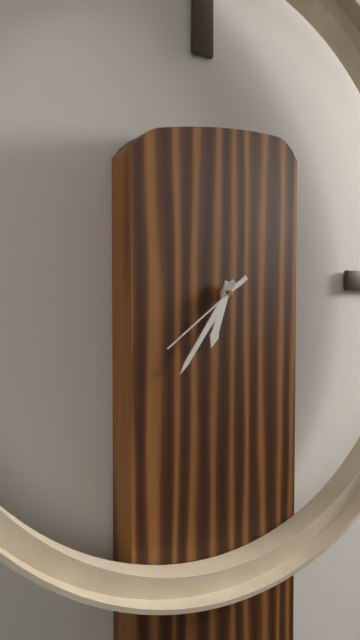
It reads 6 h 36 min 39 s
